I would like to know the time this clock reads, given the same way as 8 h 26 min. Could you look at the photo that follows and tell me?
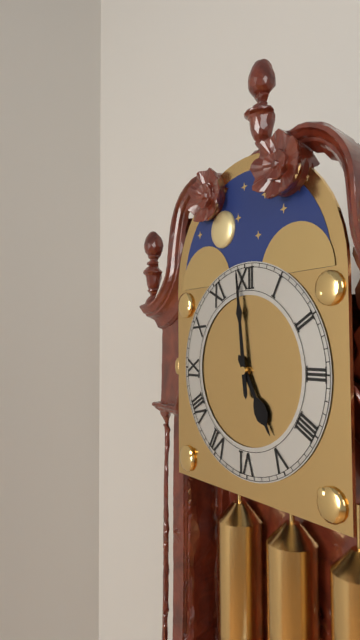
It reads 4 h 59 min
